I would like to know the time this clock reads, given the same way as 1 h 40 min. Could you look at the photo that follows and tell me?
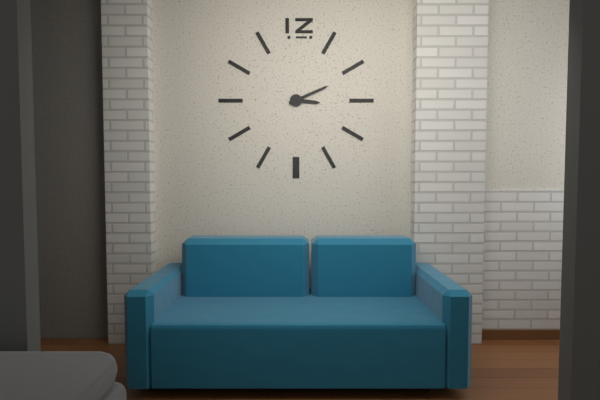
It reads 3 h 11 min
